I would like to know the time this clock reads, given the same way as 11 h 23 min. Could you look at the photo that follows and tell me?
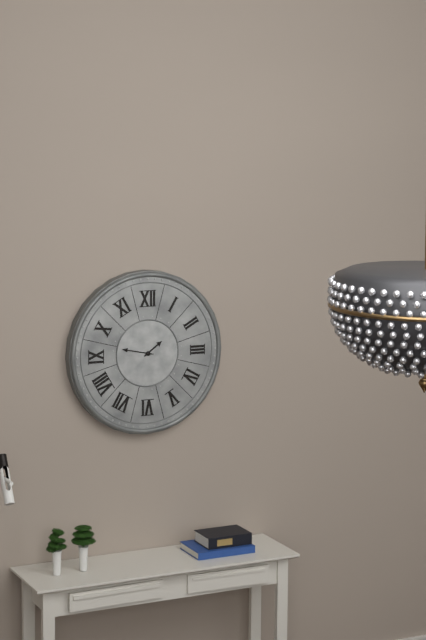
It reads 1 h 47 min
